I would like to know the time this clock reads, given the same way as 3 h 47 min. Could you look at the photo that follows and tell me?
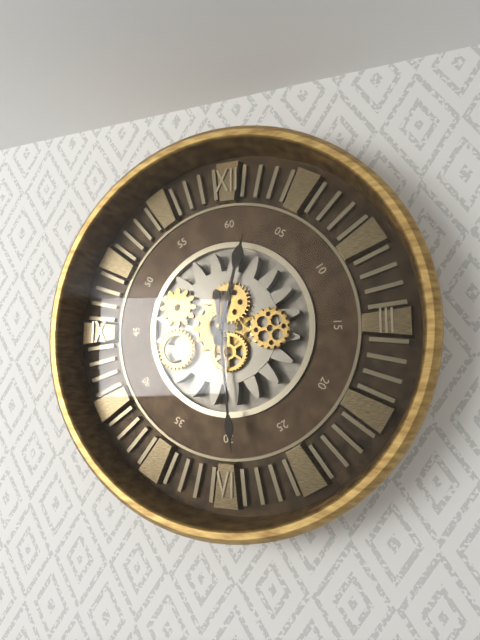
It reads 12 h 29 min
